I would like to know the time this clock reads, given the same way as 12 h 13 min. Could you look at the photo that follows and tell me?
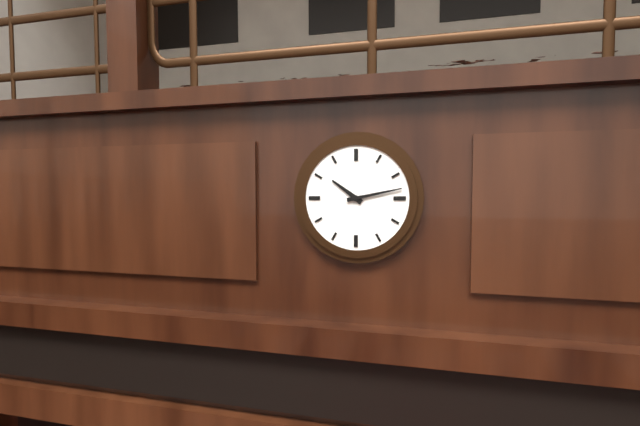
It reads 10 h 13 min
